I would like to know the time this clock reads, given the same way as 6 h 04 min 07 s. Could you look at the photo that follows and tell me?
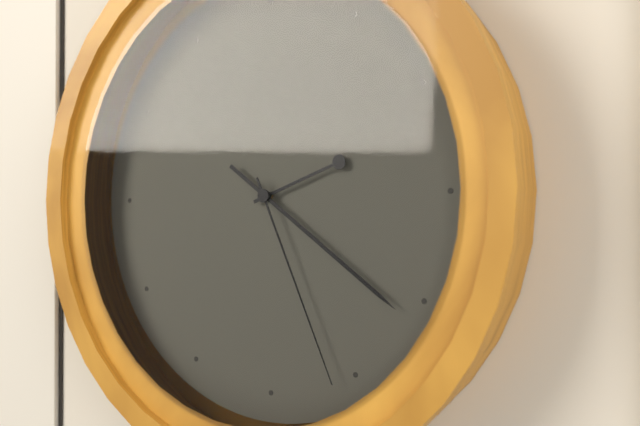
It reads 2 h 21 min 26 s
